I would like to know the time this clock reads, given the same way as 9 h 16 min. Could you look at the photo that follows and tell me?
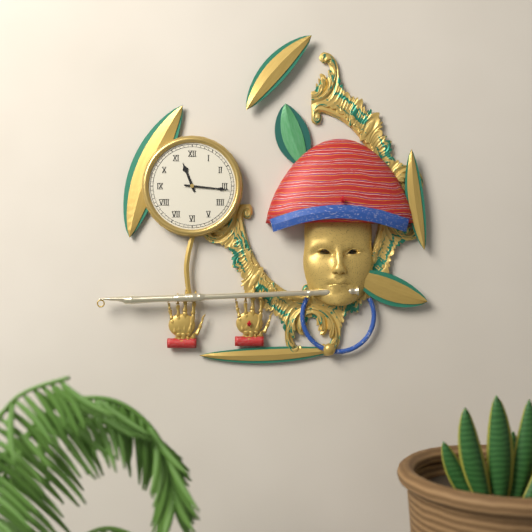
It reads 11 h 16 min
